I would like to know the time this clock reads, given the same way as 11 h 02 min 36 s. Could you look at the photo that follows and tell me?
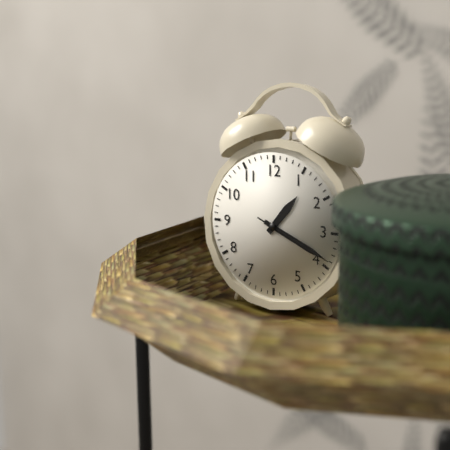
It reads 1 h 19 min 19 s
